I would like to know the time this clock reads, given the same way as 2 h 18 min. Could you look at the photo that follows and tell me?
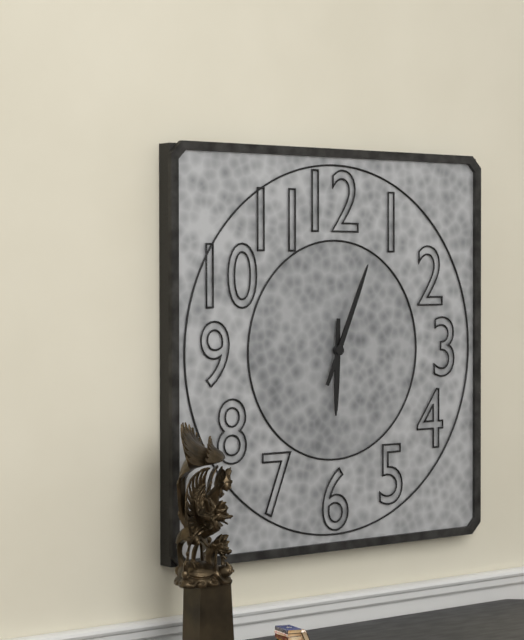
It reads 6 h 04 min
